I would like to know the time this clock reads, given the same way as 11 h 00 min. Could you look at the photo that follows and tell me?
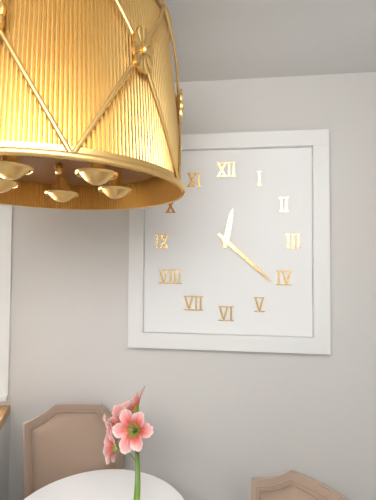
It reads 12 h 22 min
